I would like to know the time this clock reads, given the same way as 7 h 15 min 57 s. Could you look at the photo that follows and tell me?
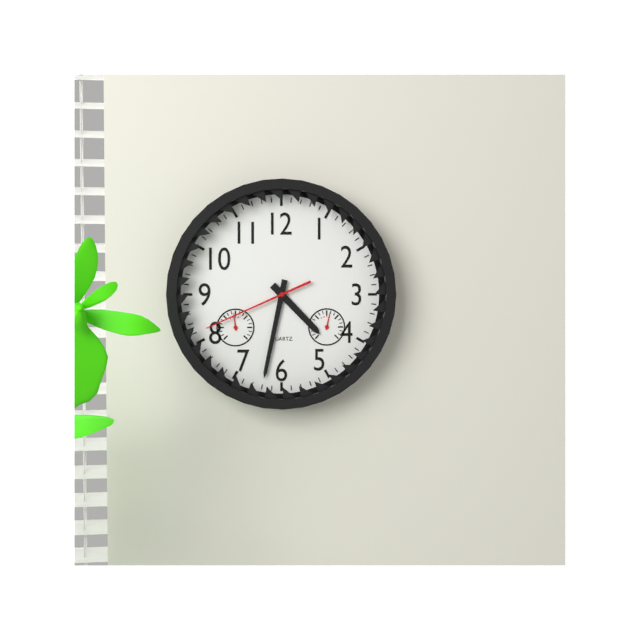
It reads 4 h 32 min 41 s
